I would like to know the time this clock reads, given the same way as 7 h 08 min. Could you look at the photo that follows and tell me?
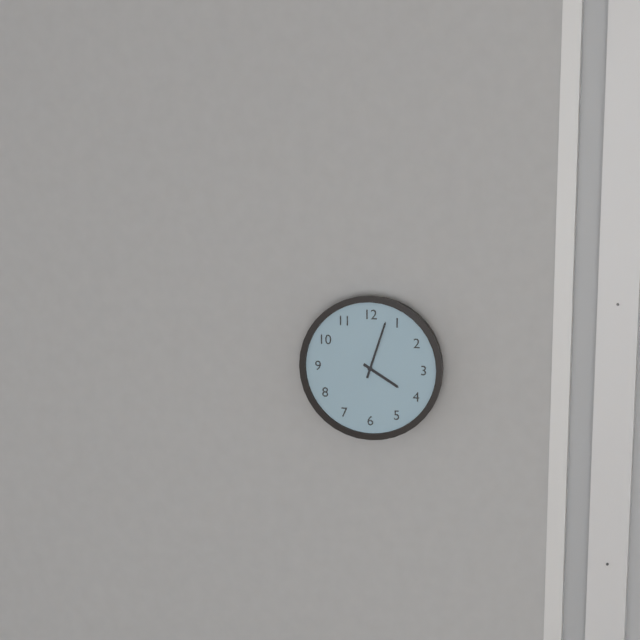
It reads 4 h 03 min
